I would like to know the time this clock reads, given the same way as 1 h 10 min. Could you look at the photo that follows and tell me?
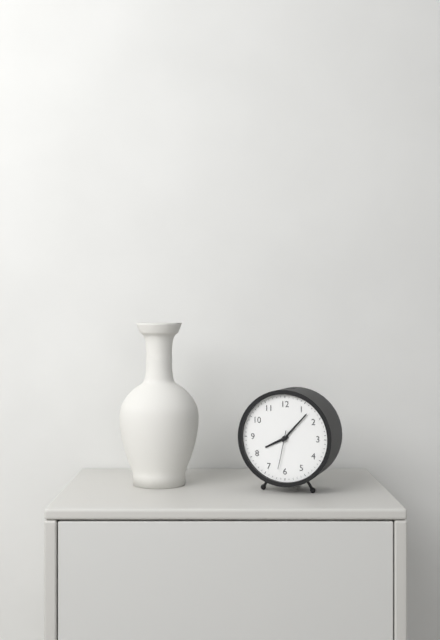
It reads 8 h 07 min
